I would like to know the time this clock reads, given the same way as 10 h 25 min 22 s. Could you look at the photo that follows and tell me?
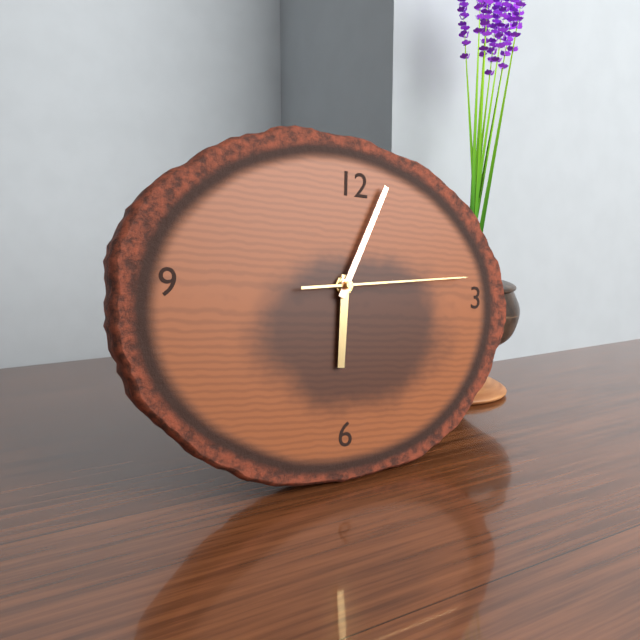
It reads 6 h 04 min 14 s
